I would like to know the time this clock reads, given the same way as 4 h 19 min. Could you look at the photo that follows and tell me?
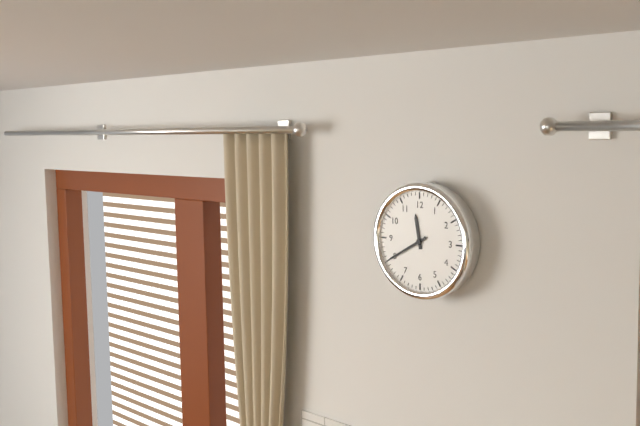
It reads 11 h 40 min
